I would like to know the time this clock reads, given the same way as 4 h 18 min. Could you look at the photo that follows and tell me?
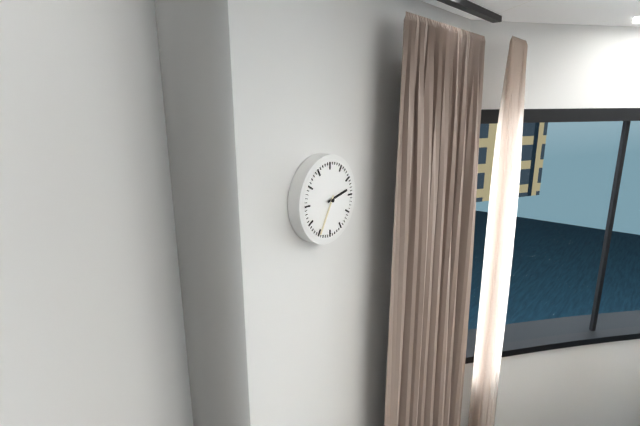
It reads 2 h 35 min
